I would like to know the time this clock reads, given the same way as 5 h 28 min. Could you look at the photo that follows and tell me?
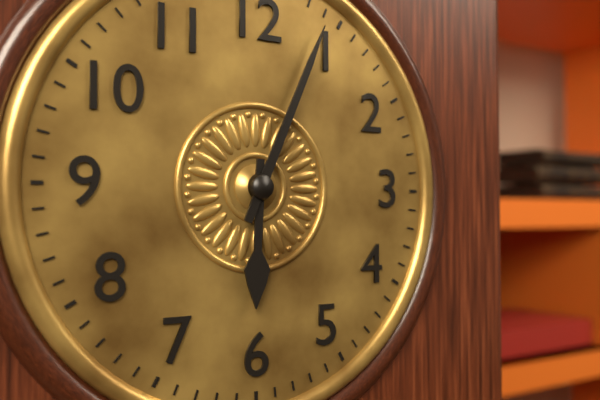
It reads 6 h 04 min
